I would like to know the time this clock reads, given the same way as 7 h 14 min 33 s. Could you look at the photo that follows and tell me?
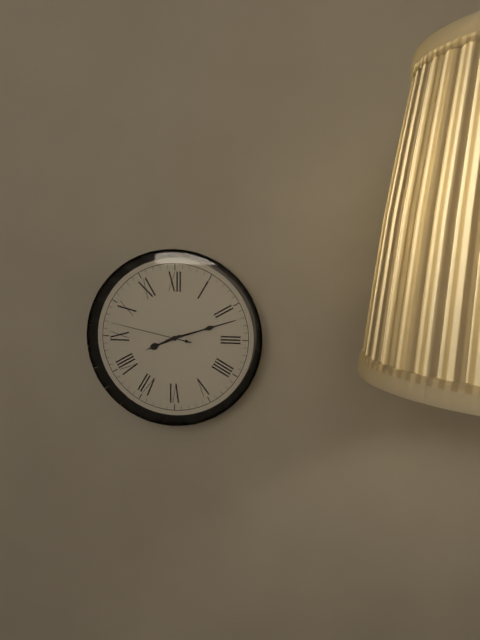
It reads 8 h 12 min 47 s
